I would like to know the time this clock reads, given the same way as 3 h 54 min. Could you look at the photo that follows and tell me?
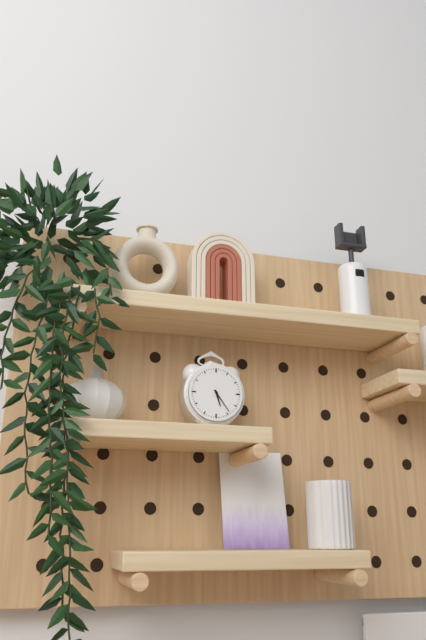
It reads 5 h 24 min
